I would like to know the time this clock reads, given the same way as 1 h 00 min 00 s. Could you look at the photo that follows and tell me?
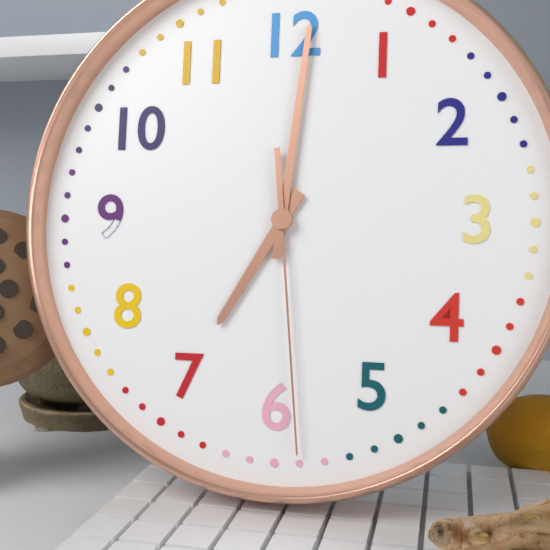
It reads 7 h 01 min 29 s
